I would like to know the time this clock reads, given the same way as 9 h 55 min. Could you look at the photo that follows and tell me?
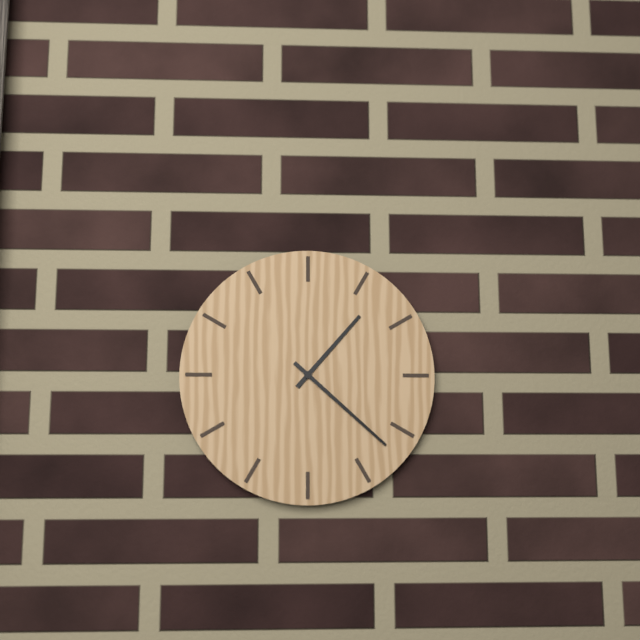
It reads 1 h 22 min
